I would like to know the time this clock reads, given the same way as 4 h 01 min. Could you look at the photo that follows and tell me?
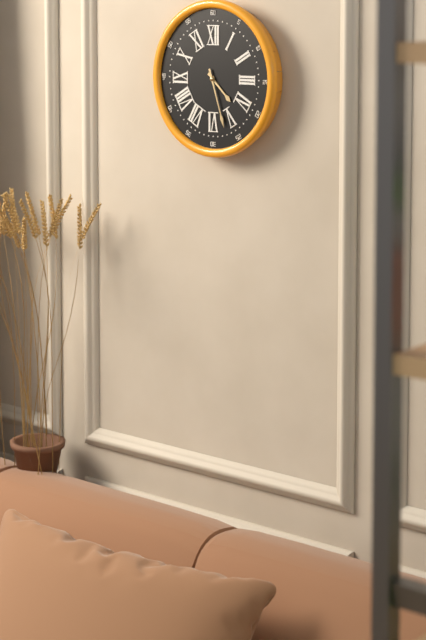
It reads 4 h 27 min
